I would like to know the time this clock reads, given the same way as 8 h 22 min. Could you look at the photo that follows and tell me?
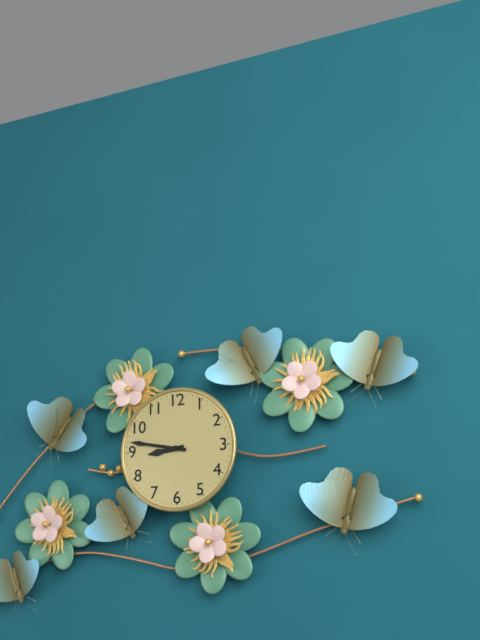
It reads 8 h 47 min
